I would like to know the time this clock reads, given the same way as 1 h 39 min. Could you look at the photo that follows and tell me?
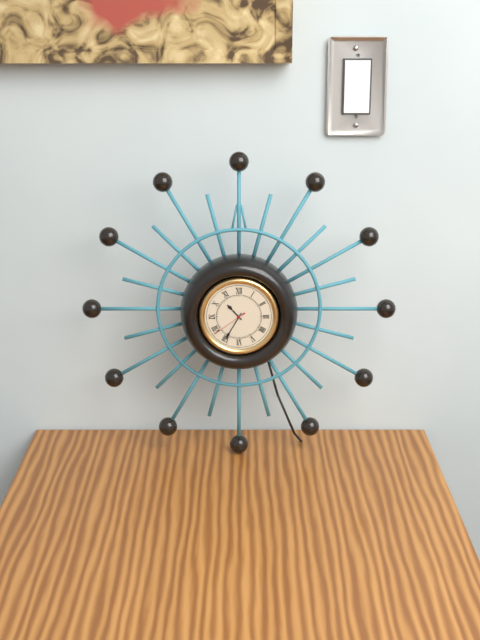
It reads 10 h 35 min
